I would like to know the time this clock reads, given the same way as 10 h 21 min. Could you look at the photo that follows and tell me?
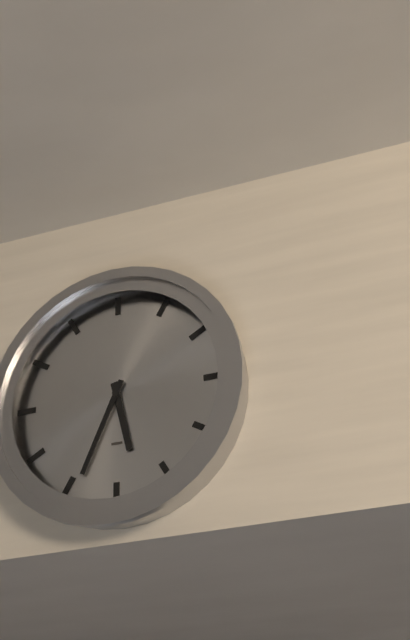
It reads 5 h 34 min
